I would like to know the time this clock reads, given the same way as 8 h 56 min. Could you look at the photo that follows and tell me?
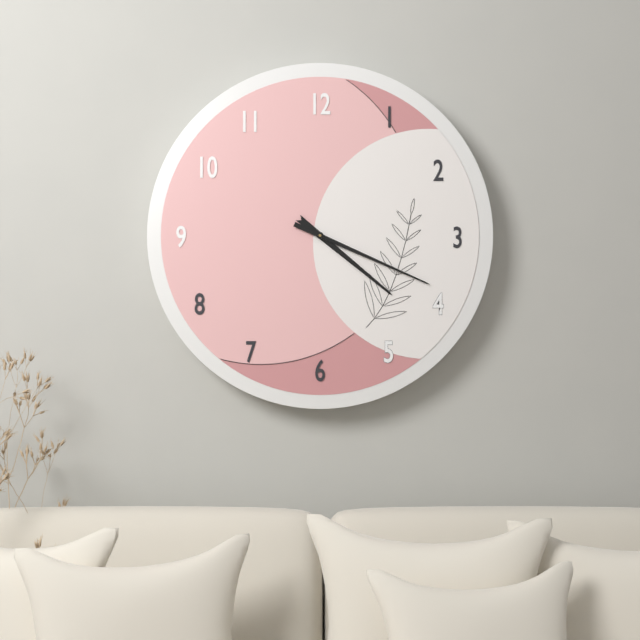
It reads 4 h 19 min
